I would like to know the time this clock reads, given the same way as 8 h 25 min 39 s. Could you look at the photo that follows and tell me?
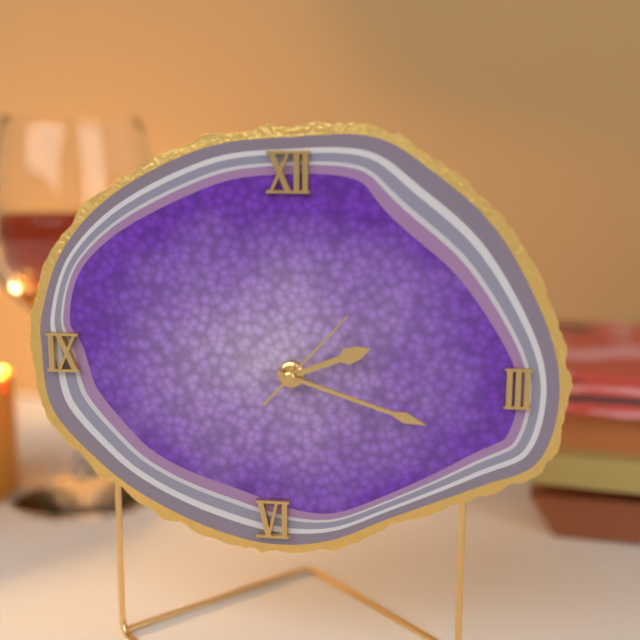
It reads 2 h 18 min 07 s
